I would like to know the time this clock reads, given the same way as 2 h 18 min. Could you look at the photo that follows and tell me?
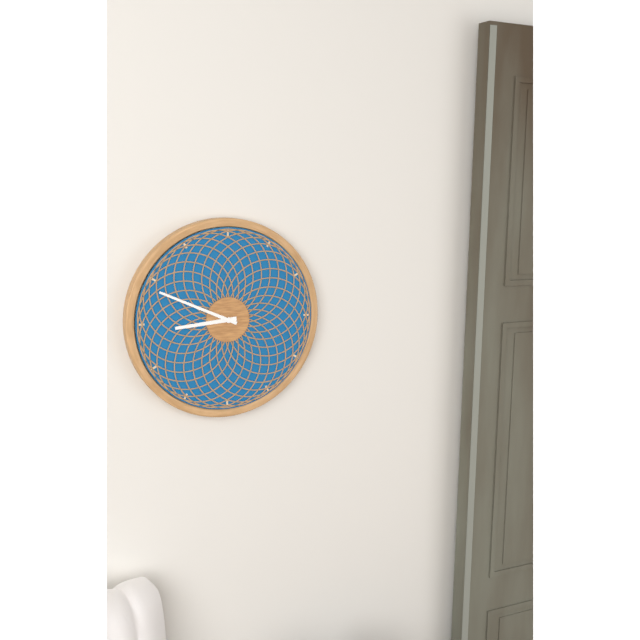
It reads 8 h 49 min
